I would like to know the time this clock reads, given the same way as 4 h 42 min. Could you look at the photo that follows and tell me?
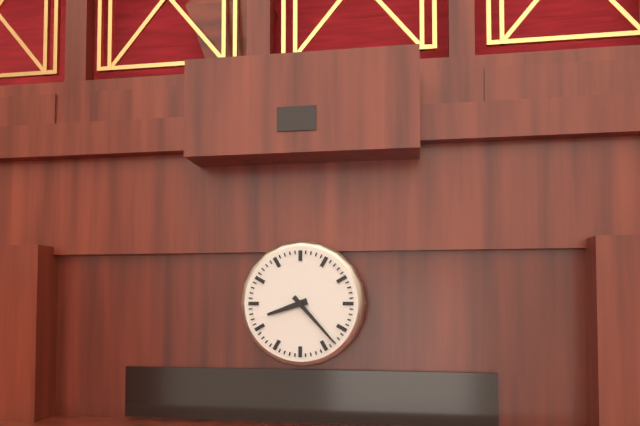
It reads 8 h 23 min
